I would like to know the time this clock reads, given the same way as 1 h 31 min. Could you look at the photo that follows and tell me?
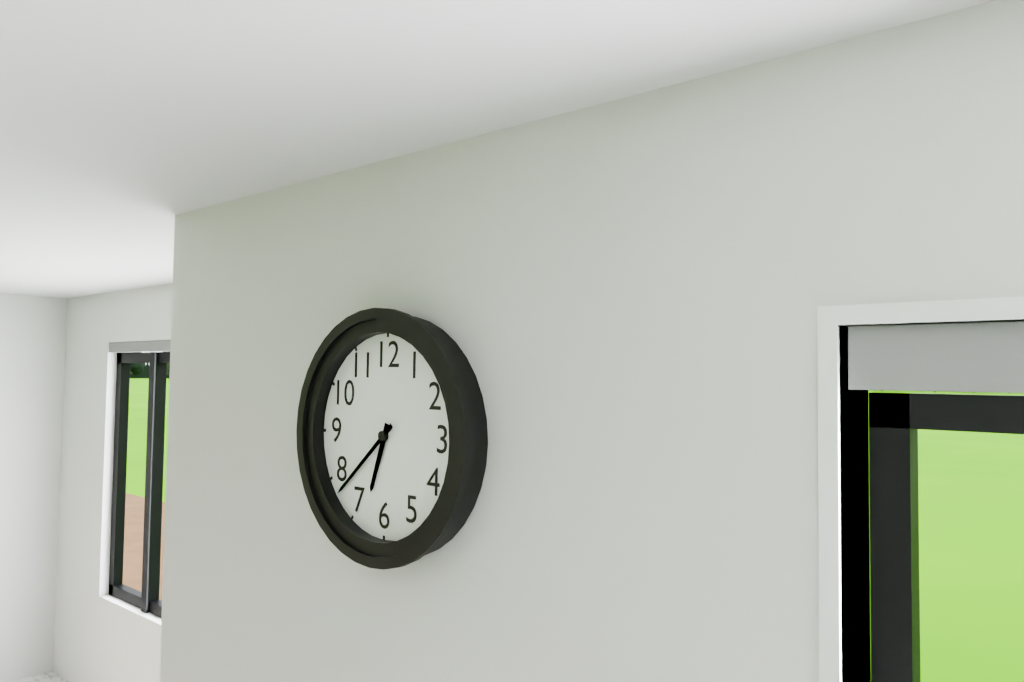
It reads 6 h 38 min
